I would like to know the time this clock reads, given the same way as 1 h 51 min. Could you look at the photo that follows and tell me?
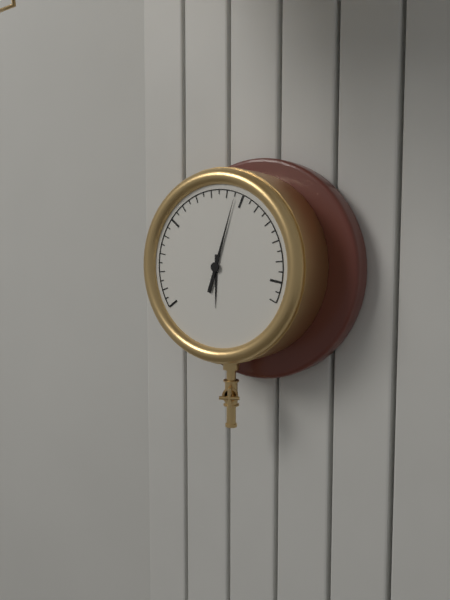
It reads 6 h 03 min
